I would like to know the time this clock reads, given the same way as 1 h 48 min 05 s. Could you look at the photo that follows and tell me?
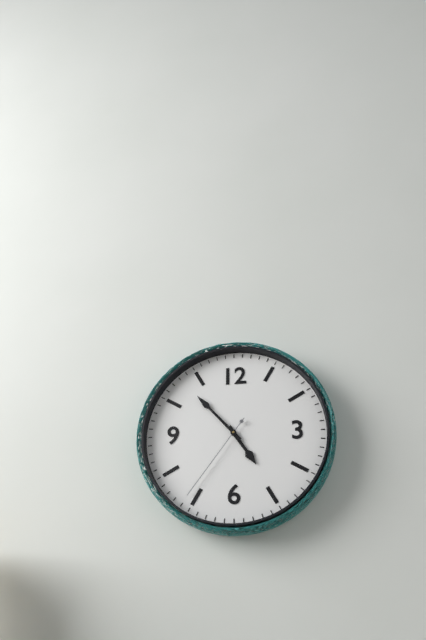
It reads 4 h 53 min 36 s
